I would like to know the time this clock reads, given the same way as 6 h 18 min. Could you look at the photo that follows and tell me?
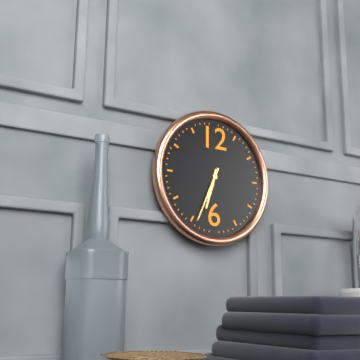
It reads 6 h 34 min
